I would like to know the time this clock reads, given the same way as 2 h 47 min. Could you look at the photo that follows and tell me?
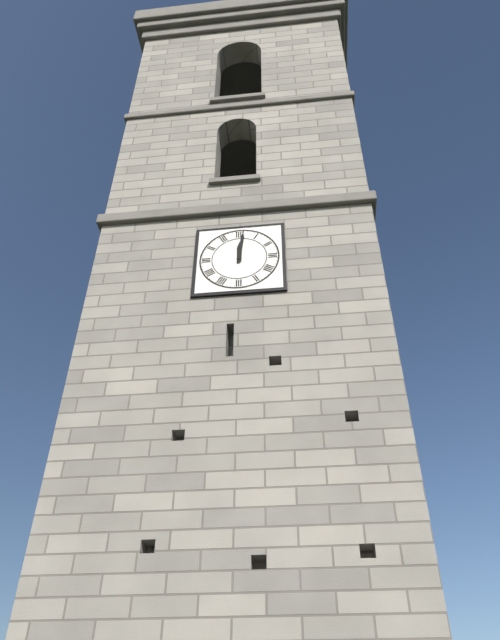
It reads 12 h 01 min
